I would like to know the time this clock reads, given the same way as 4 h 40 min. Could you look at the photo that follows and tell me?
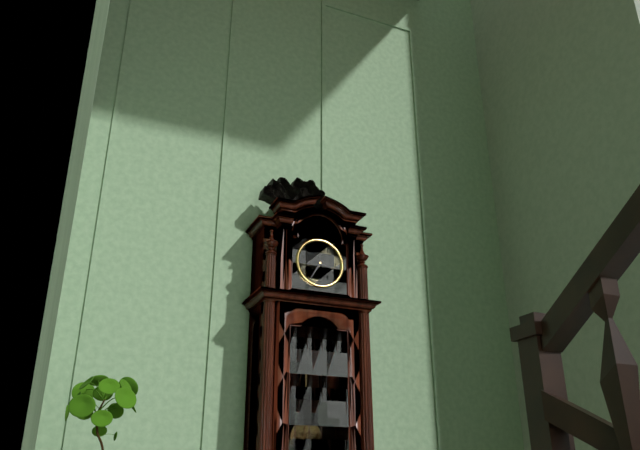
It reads 3 h 35 min
